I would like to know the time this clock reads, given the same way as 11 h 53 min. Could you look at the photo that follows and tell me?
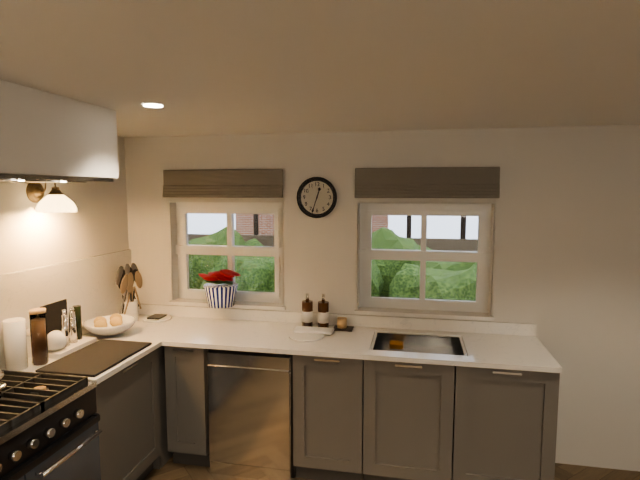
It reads 12 h 33 min
